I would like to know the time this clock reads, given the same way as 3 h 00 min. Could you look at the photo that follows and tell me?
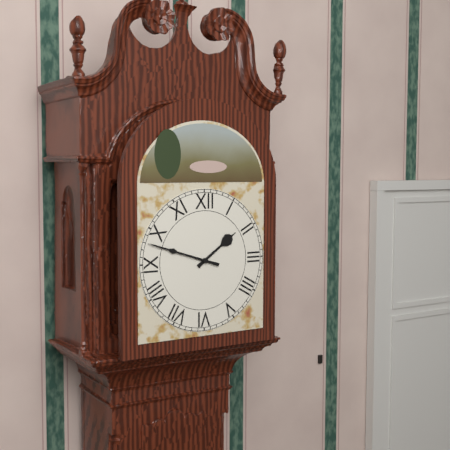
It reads 1 h 48 min
